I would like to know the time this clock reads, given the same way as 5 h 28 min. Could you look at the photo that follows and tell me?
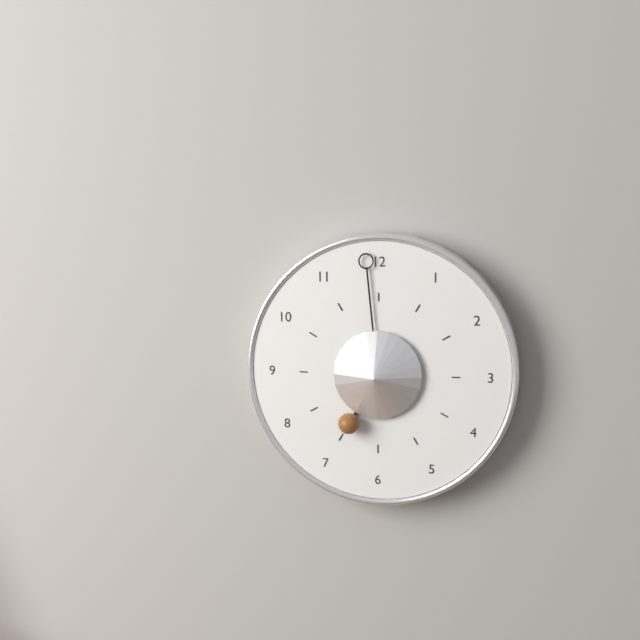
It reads 6 h 59 min
